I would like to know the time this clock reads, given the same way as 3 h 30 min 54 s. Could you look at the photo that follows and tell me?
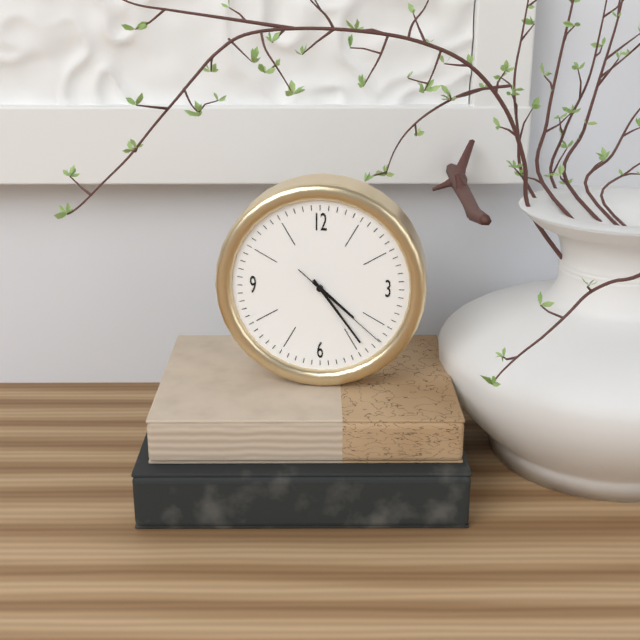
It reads 4 h 24 min 22 s
